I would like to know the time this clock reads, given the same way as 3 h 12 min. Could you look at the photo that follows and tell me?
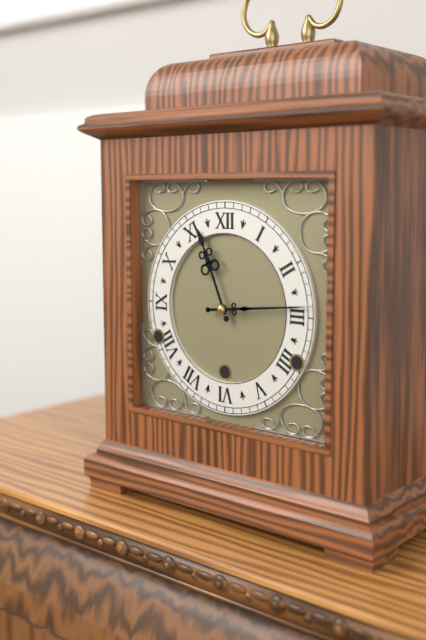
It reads 11 h 14 min
